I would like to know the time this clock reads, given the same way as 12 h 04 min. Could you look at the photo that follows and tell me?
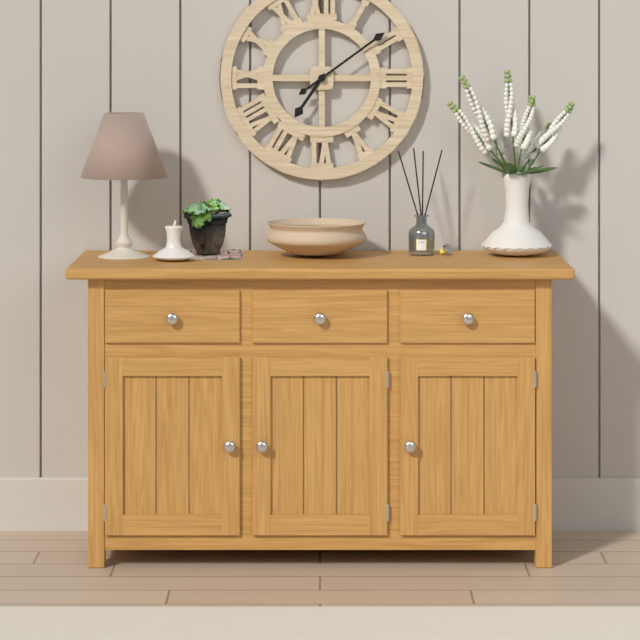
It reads 7 h 09 min
